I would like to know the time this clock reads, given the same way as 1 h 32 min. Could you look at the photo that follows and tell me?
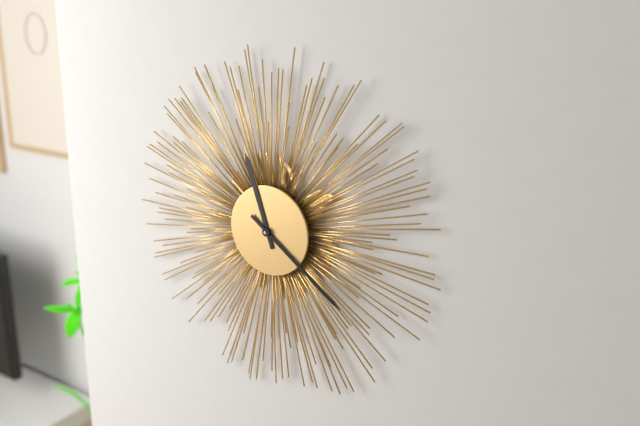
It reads 11 h 21 min
